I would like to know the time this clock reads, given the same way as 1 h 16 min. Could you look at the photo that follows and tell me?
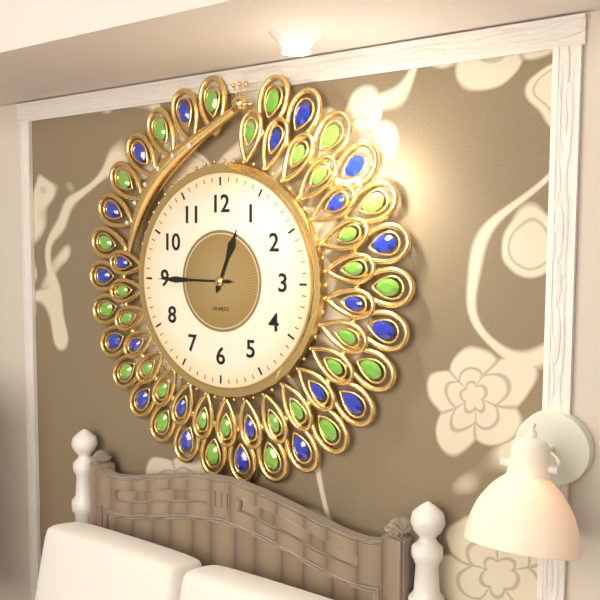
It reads 12 h 45 min
